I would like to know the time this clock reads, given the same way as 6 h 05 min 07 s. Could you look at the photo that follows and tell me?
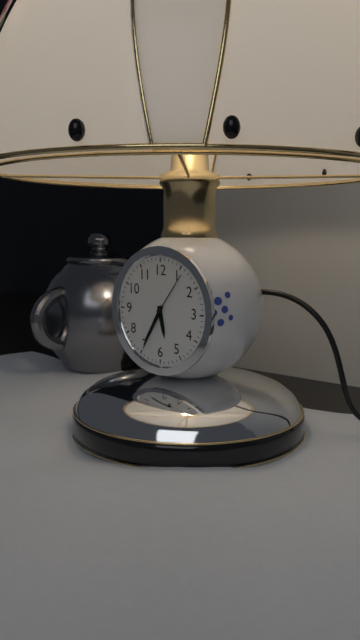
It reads 5 h 35 min 06 s
